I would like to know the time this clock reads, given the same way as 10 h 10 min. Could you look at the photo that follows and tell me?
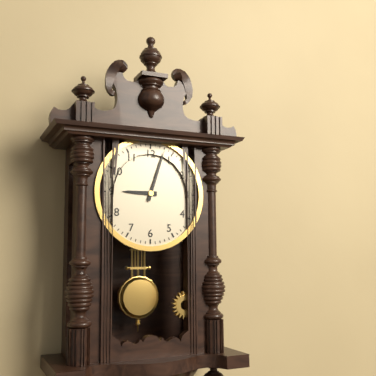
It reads 9 h 03 min
